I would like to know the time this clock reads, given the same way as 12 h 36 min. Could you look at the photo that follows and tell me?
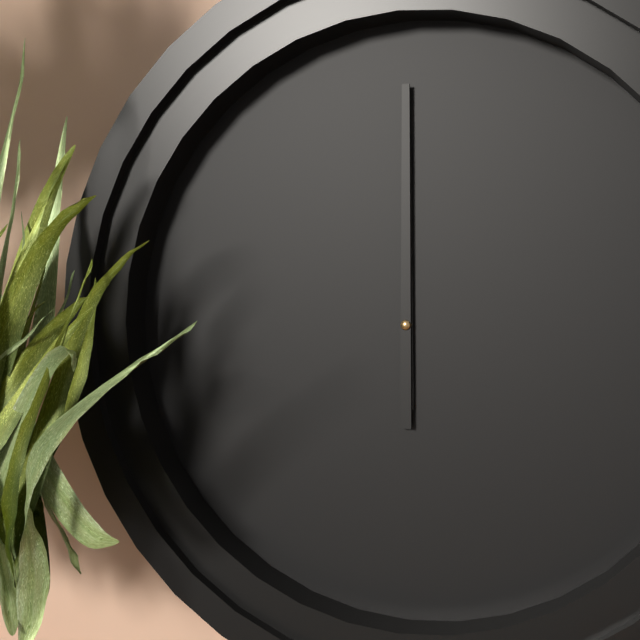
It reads 12 h 00 min
